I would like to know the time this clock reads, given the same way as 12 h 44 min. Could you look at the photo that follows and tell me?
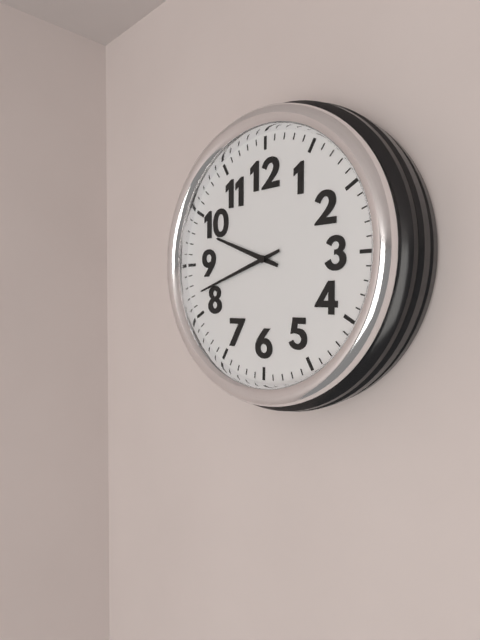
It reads 9 h 42 min
